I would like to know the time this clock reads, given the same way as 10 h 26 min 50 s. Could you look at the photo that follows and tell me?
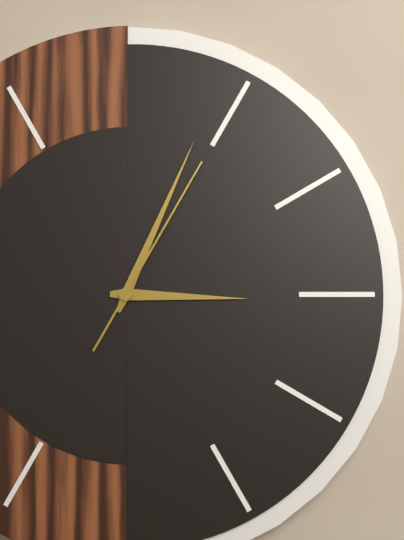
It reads 3 h 04 min 05 s
